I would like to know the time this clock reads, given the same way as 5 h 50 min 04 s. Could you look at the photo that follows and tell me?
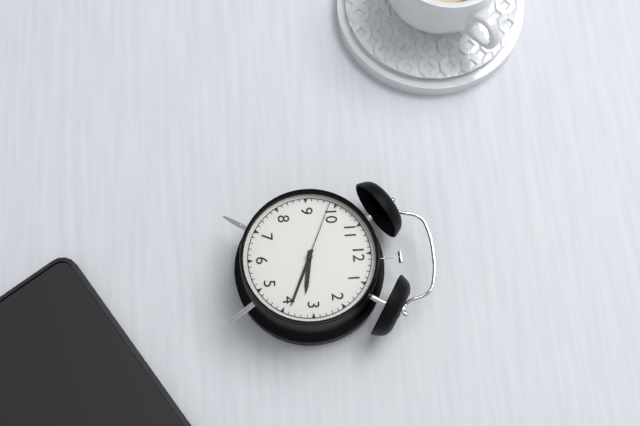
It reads 3 h 19 min 49 s
